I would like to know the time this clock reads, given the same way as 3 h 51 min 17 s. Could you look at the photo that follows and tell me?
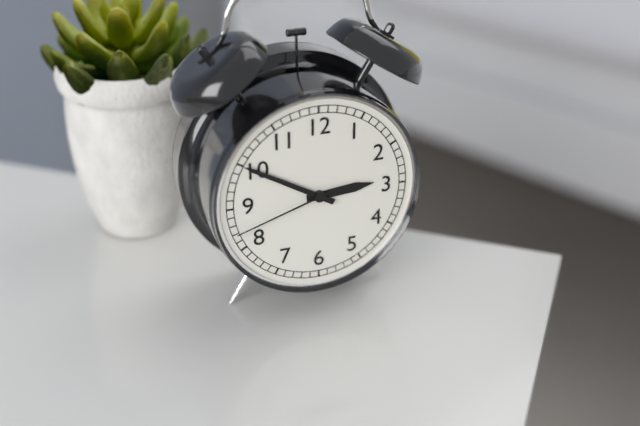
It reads 2 h 50 min 42 s
